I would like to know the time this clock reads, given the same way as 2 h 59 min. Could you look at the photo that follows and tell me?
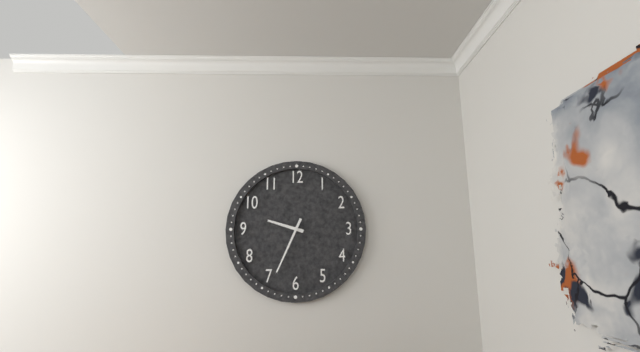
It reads 9 h 34 min
